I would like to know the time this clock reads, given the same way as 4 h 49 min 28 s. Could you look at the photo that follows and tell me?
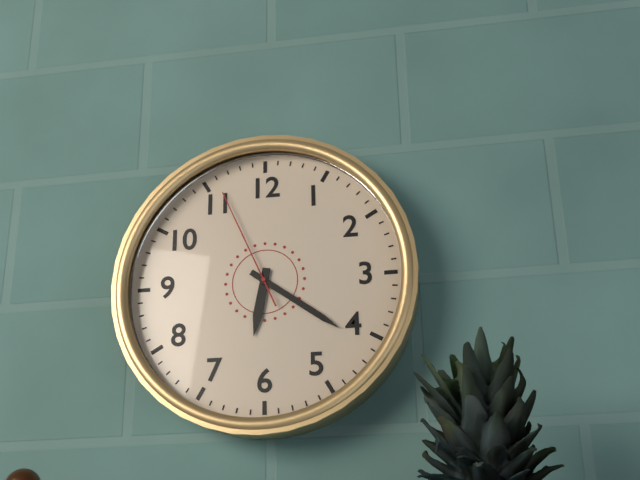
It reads 6 h 21 min 56 s
